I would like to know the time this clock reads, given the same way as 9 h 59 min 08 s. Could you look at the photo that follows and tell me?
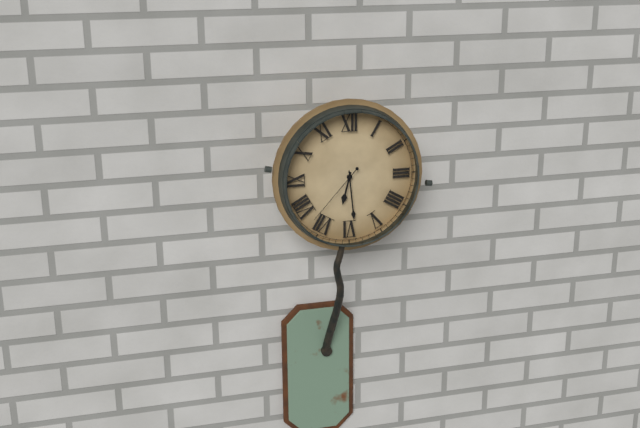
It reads 6 h 29 min 37 s
